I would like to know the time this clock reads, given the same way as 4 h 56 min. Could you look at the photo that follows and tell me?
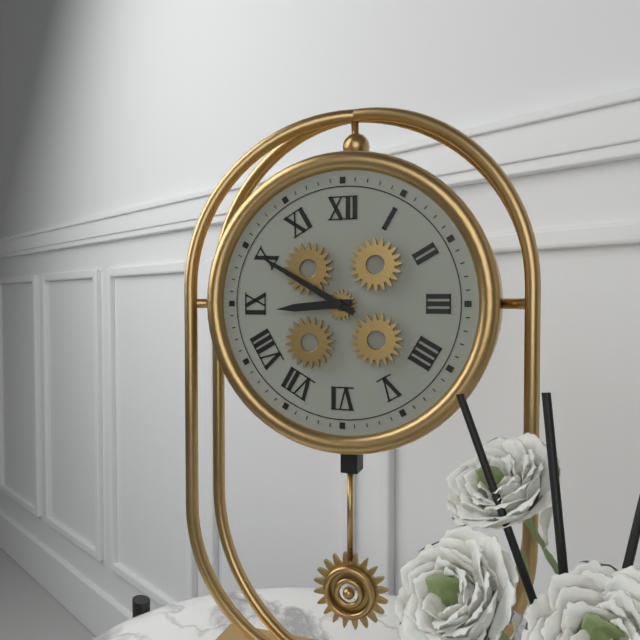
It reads 8 h 50 min
